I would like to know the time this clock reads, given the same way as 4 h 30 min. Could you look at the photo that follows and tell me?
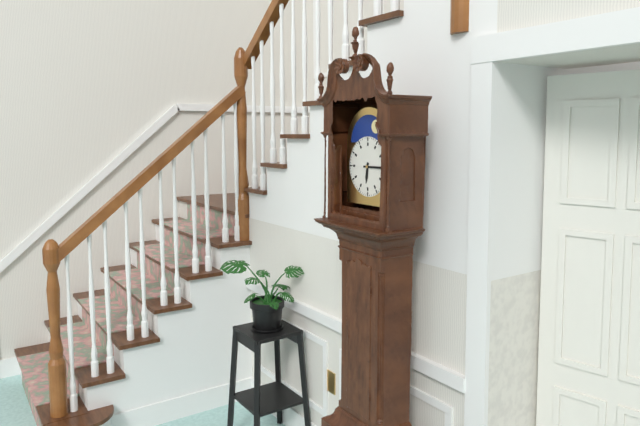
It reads 6 h 15 min
